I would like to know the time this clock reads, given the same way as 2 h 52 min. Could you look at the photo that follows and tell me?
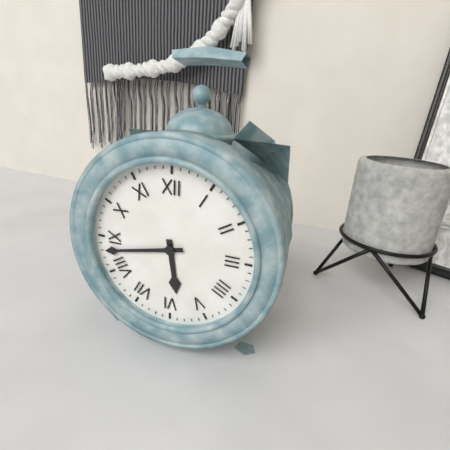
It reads 5 h 43 min
